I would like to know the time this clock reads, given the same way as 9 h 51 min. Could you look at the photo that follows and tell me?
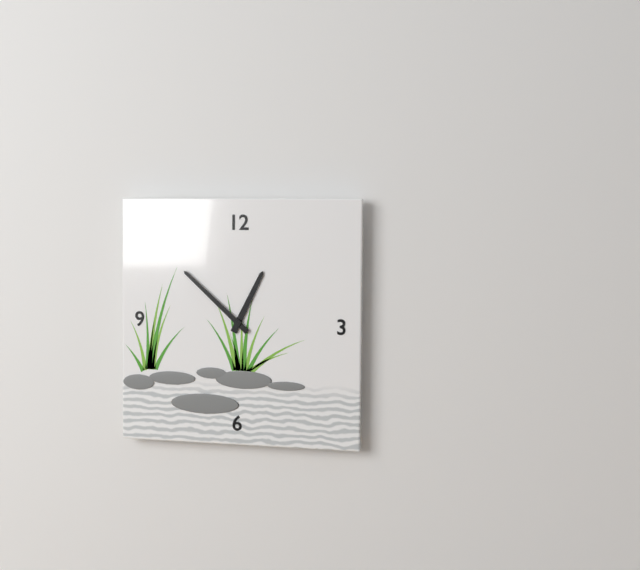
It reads 12 h 52 min
